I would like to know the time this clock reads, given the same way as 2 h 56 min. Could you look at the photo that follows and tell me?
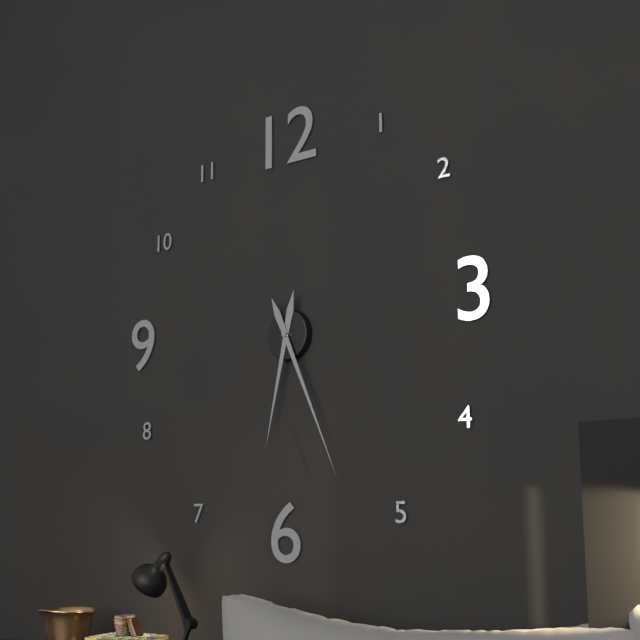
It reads 6 h 26 min
